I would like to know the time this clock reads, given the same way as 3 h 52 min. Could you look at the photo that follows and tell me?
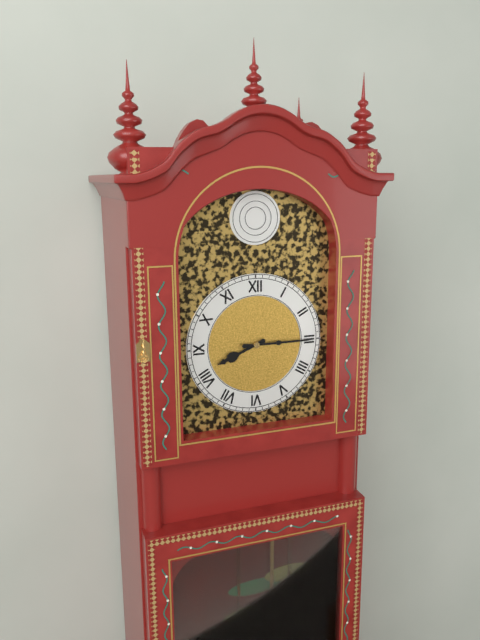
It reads 8 h 15 min
